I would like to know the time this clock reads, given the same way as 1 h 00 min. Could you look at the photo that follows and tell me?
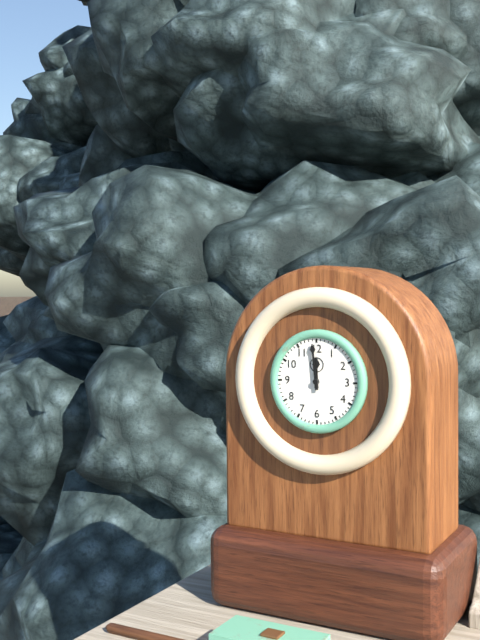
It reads 11 h 59 min
